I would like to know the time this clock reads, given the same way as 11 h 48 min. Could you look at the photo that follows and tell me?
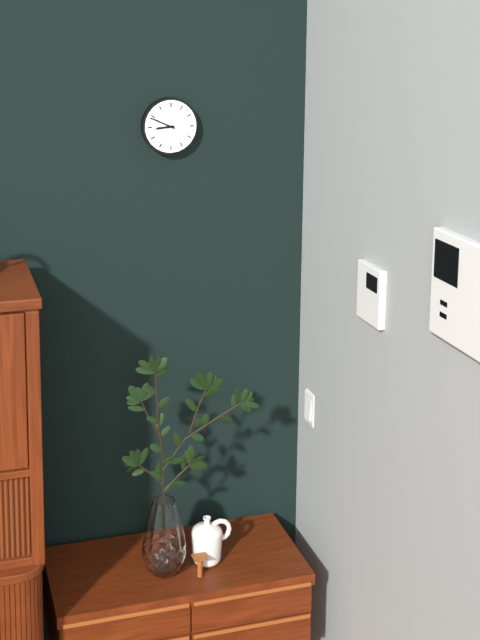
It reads 8 h 49 min
